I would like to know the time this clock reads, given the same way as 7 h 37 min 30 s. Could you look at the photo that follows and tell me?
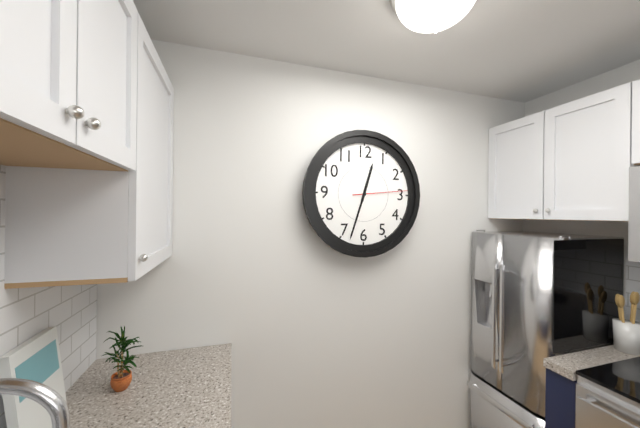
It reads 12 h 33 min 14 s
